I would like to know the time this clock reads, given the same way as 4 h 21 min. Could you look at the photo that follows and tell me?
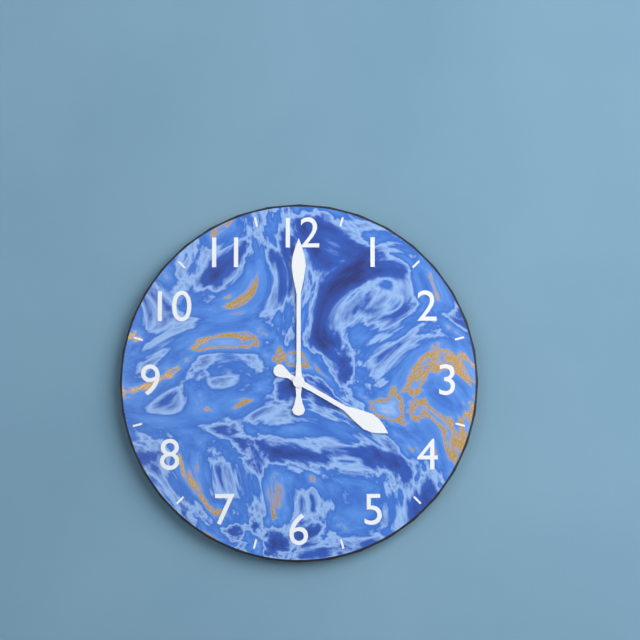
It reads 4 h 00 min
